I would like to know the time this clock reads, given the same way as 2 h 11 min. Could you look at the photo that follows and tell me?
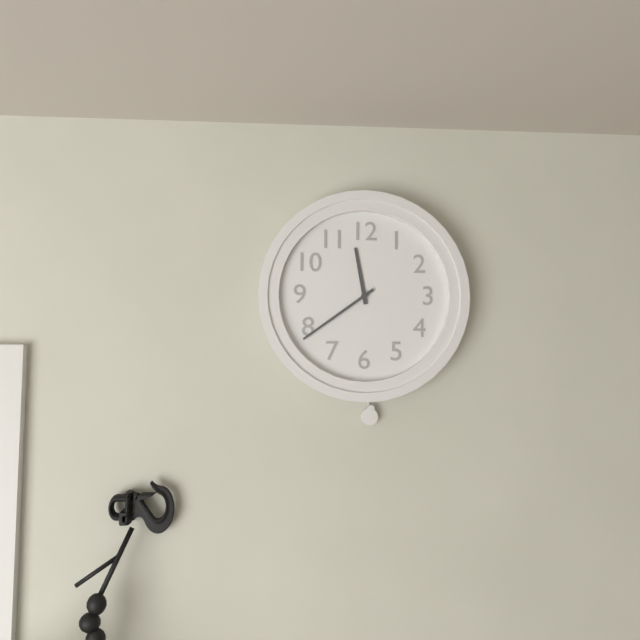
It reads 11 h 39 min
